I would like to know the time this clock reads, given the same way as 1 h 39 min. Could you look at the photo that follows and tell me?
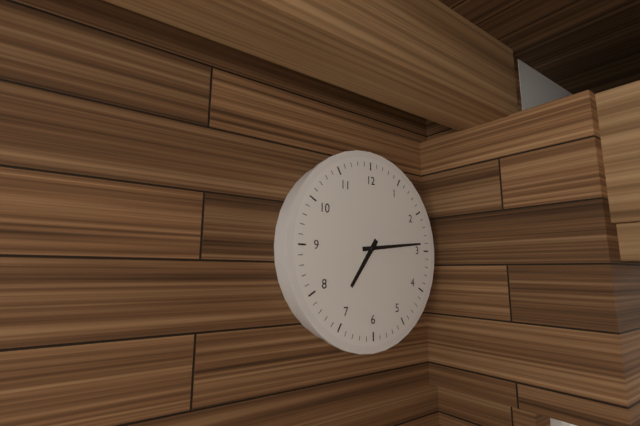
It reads 7 h 14 min
